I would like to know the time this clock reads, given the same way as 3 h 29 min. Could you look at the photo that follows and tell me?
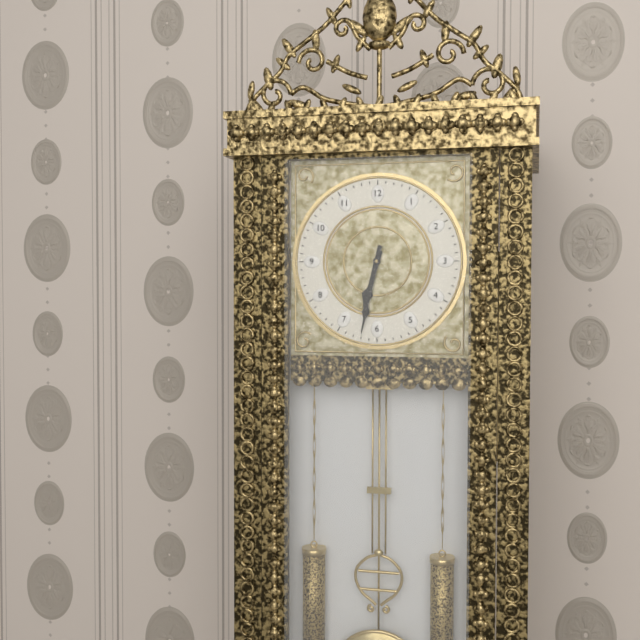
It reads 6 h 32 min
